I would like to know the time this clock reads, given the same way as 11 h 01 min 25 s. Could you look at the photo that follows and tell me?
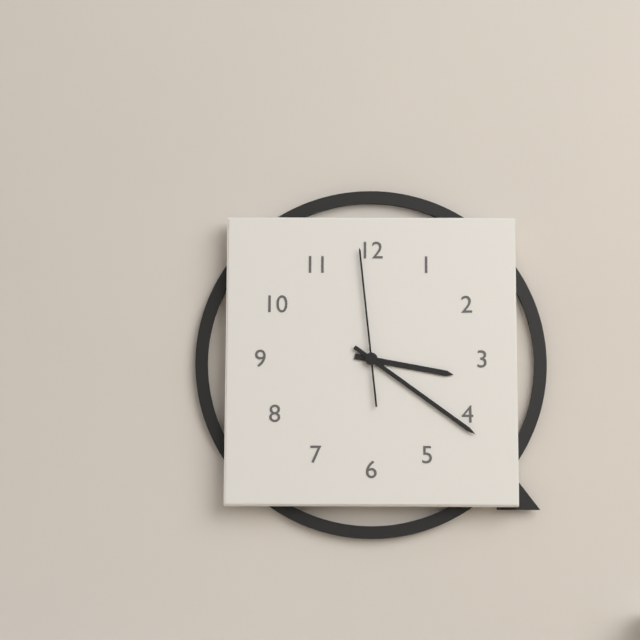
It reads 3 h 21 min 59 s
